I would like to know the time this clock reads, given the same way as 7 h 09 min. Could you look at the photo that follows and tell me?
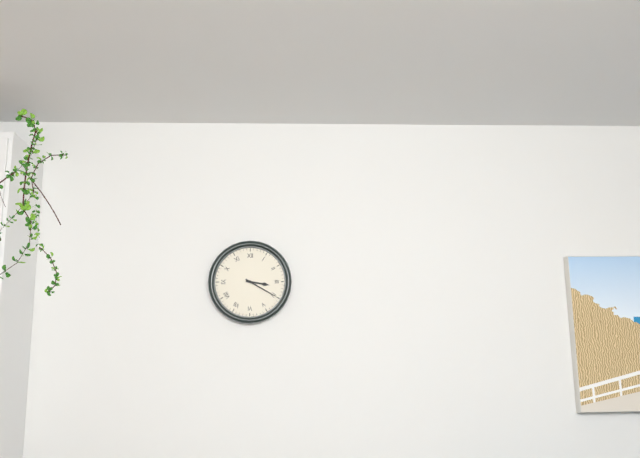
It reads 3 h 20 min
